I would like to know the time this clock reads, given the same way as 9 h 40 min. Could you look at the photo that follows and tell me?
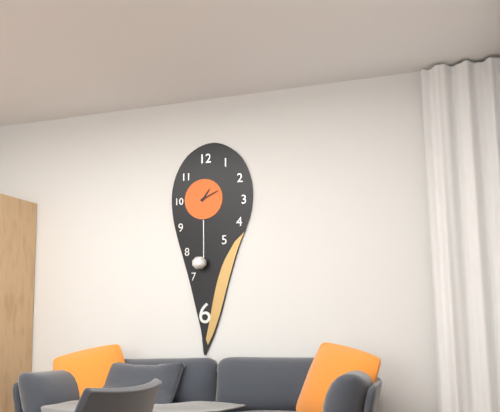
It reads 1 h 11 min
